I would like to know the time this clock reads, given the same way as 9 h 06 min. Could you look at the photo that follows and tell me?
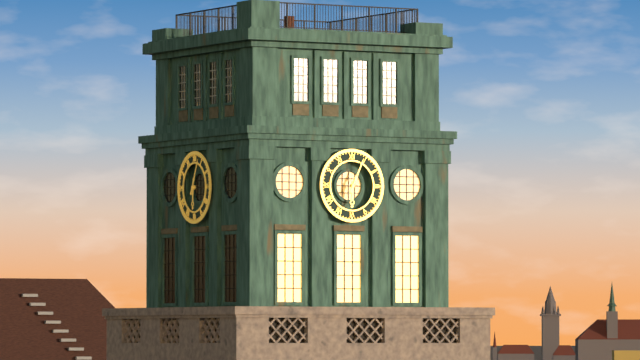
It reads 6 h 04 min
